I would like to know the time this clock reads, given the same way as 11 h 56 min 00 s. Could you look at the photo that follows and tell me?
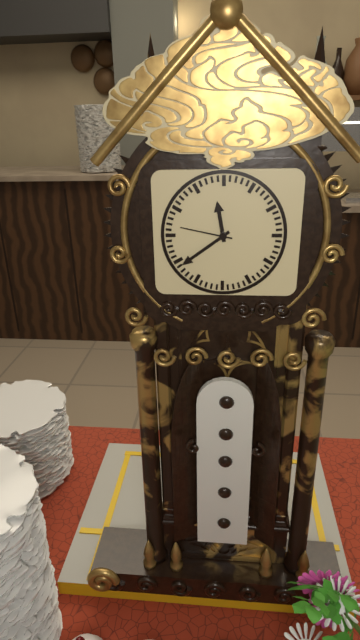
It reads 11 h 39 min 47 s
